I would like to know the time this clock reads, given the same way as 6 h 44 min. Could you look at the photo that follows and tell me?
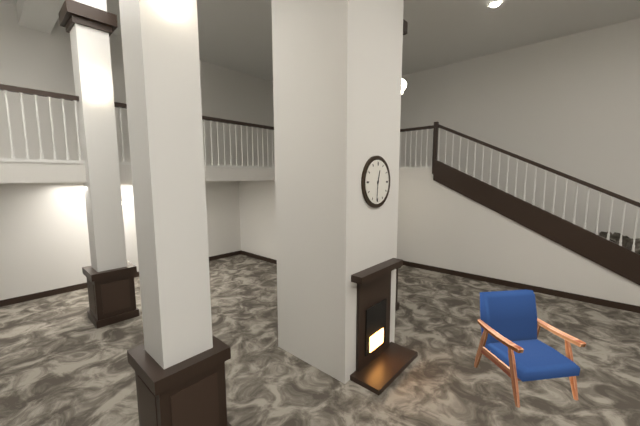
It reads 12 h 31 min
